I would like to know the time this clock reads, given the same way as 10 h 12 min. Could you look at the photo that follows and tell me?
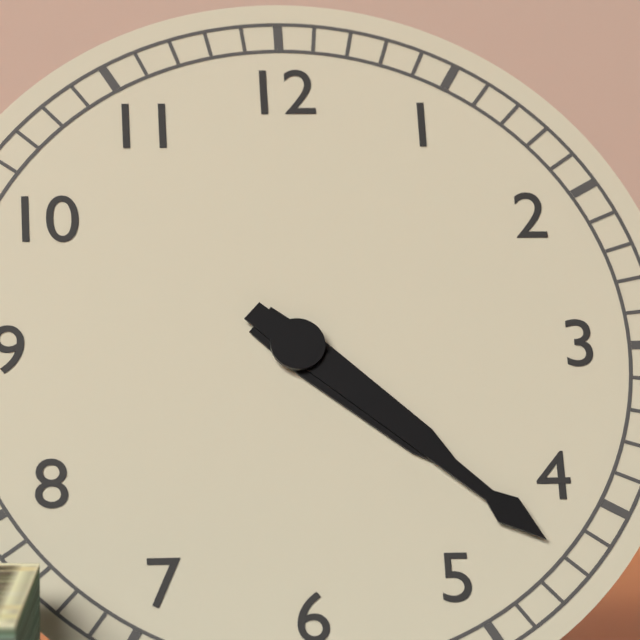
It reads 4 h 22 min
